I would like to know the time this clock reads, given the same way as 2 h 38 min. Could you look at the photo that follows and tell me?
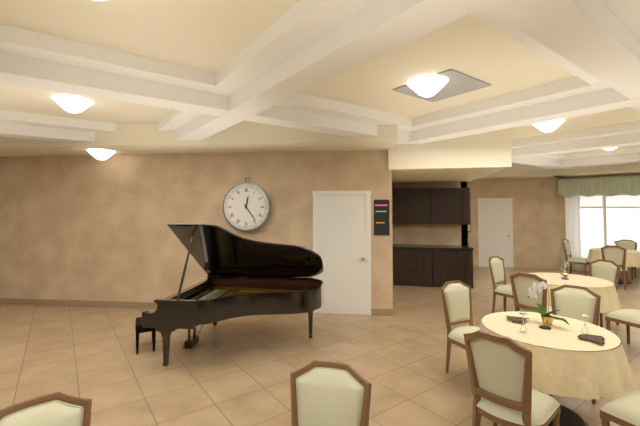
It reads 12 h 24 min
